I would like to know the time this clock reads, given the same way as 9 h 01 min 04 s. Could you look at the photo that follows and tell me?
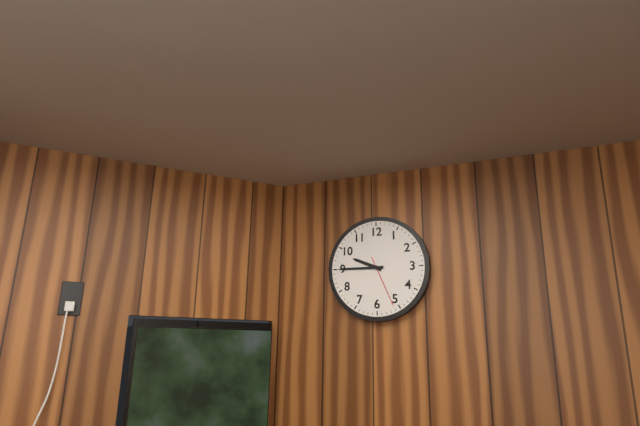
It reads 9 h 45 min 26 s
